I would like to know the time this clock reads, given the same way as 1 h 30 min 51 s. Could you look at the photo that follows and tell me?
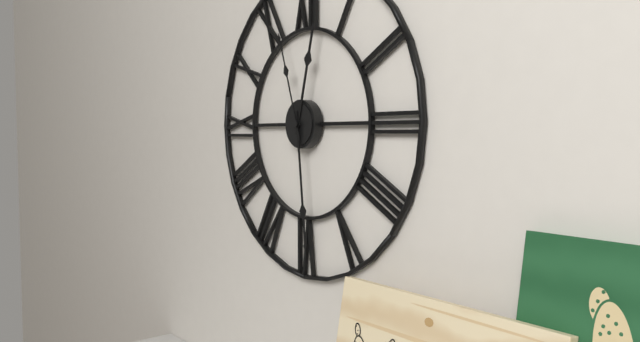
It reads 12 h 29 min 57 s
